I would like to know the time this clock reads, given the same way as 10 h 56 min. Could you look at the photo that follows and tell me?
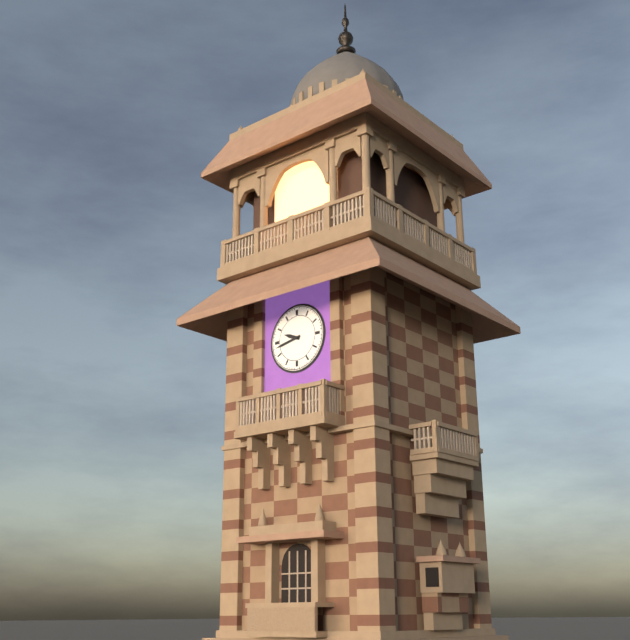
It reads 9 h 43 min
